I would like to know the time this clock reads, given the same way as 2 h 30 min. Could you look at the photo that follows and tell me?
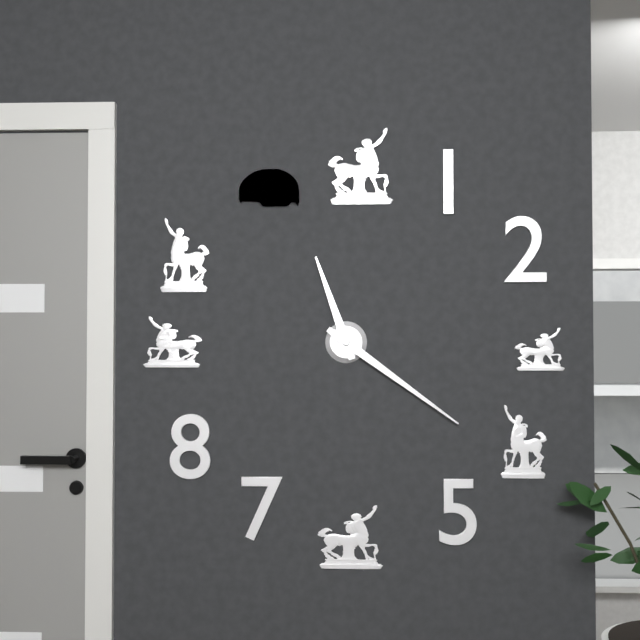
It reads 11 h 21 min
